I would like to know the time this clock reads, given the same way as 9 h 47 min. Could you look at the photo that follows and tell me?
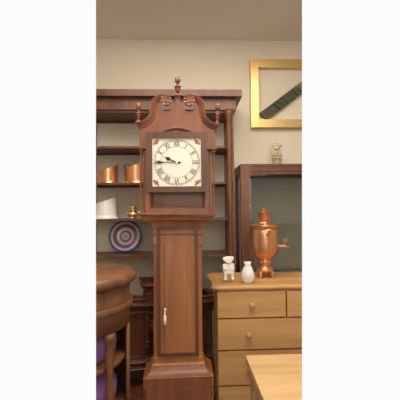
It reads 9 h 45 min
